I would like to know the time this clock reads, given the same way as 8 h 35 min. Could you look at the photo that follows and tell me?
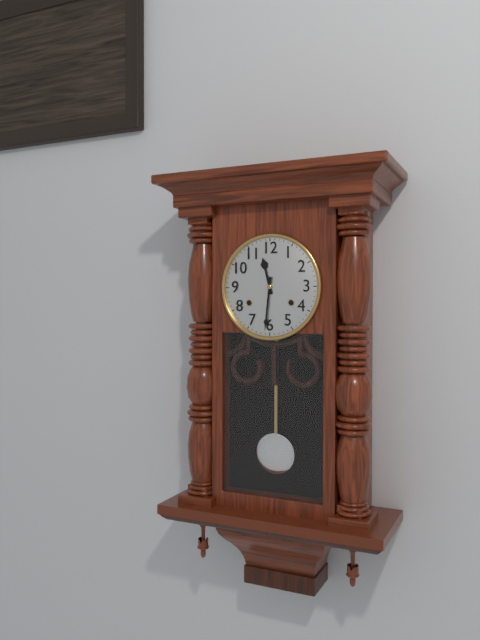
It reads 11 h 31 min
